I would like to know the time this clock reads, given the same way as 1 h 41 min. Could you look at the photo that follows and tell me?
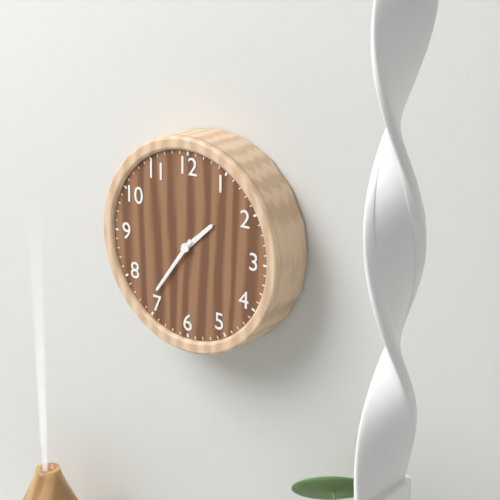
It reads 1 h 36 min
